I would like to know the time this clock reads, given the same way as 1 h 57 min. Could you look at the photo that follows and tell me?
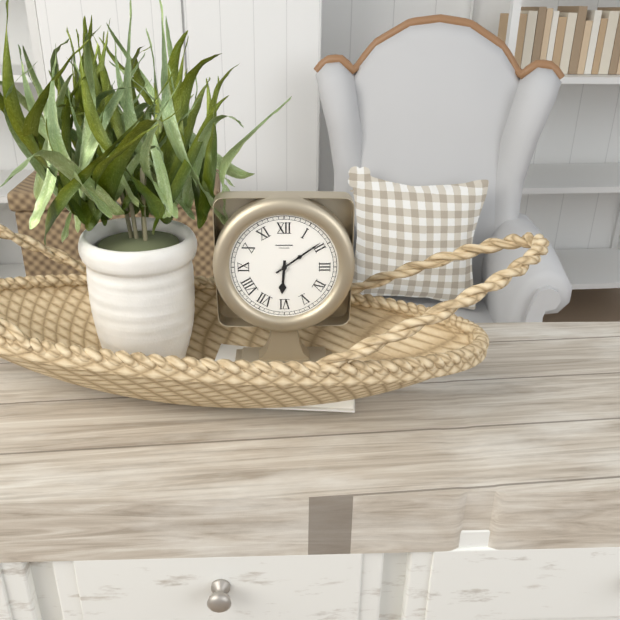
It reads 6 h 09 min
